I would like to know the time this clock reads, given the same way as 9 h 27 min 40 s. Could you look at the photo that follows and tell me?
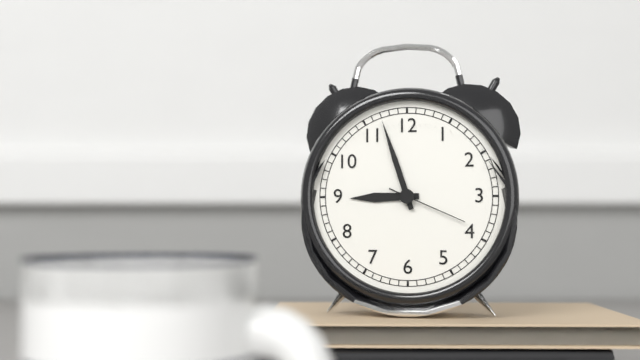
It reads 8 h 57 min 19 s
